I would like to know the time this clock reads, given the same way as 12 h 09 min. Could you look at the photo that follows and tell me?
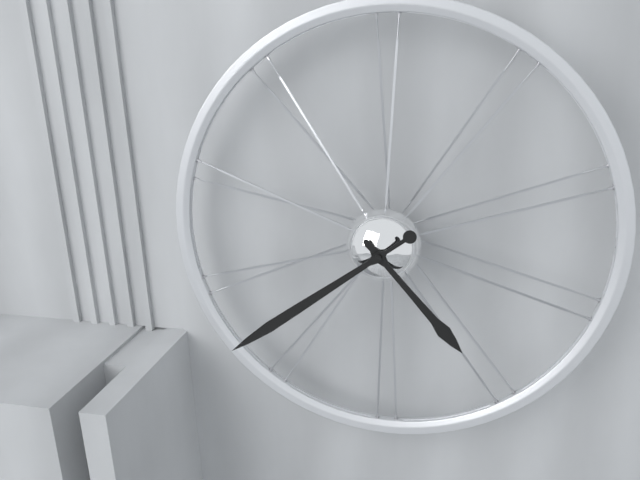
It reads 4 h 39 min
